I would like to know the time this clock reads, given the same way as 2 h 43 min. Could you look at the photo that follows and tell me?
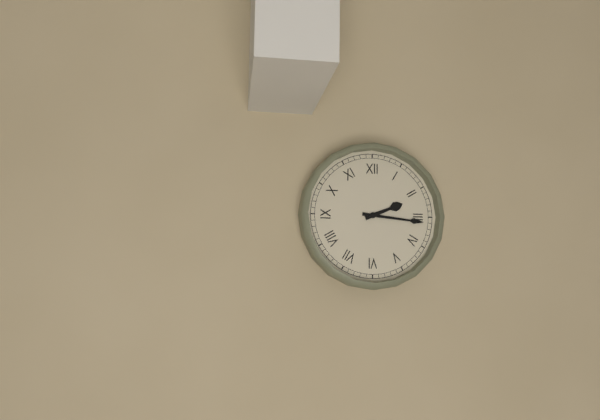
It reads 2 h 16 min
